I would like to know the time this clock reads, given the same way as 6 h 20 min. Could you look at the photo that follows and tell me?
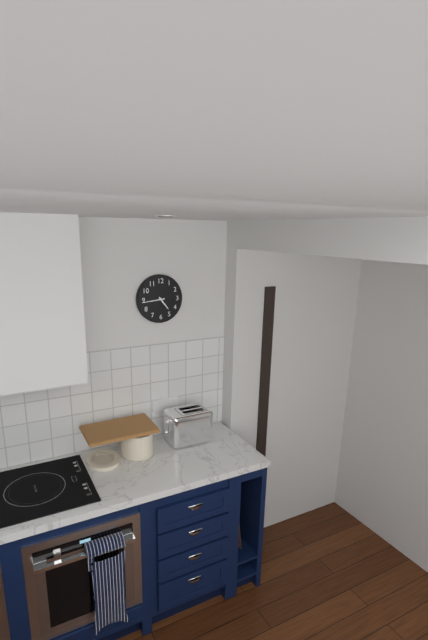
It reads 4 h 44 min
